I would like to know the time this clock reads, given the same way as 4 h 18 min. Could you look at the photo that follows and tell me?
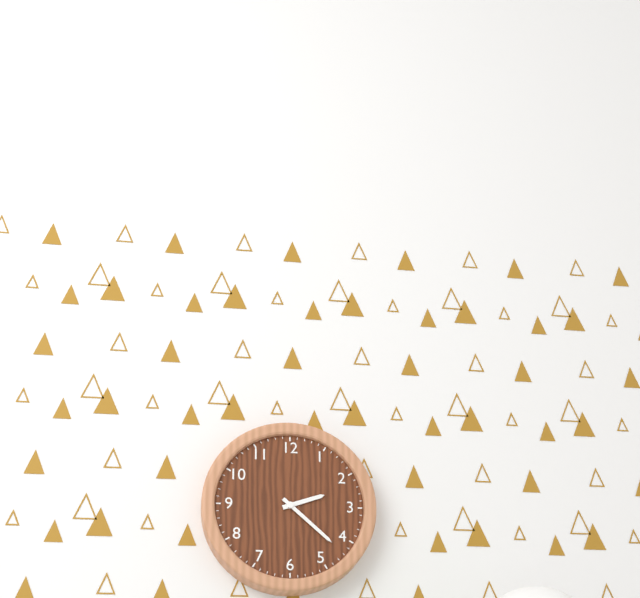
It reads 2 h 22 min
